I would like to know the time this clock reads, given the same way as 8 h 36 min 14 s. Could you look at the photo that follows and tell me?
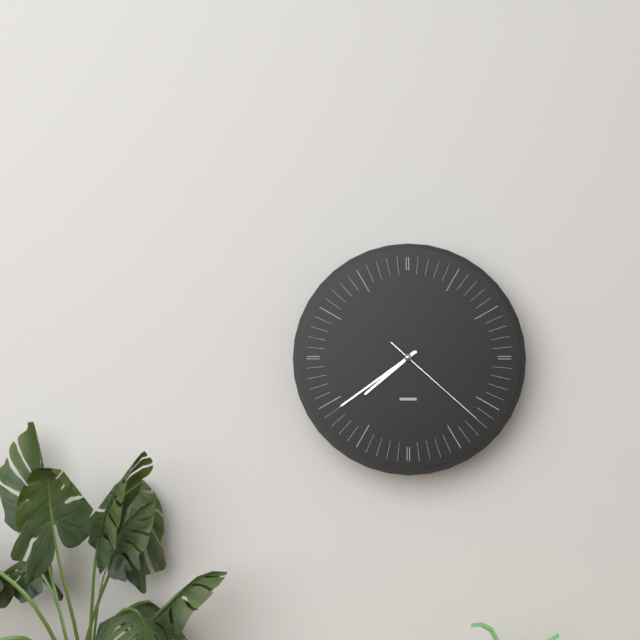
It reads 7 h 39 min 22 s
